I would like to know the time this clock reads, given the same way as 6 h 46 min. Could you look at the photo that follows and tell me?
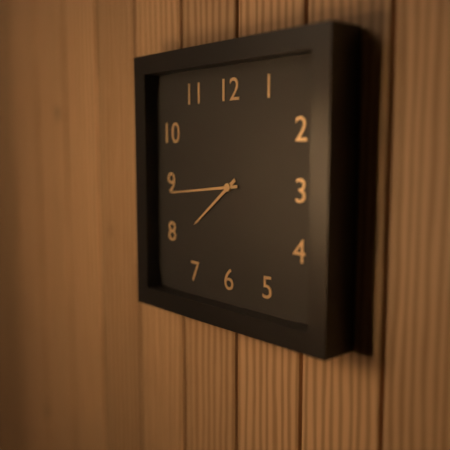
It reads 7 h 44 min
